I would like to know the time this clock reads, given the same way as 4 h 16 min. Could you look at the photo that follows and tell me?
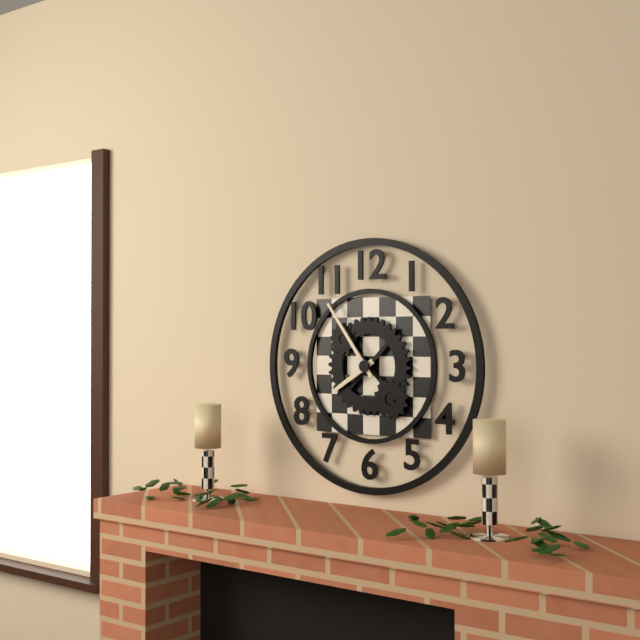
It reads 7 h 54 min
